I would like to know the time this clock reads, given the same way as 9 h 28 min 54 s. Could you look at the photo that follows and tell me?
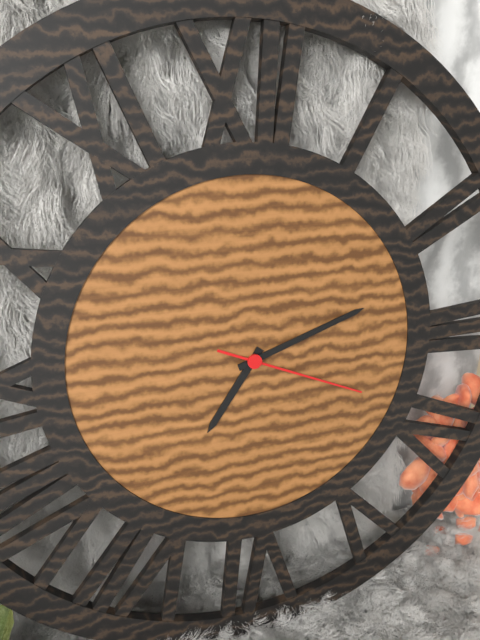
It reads 7 h 12 min 19 s
